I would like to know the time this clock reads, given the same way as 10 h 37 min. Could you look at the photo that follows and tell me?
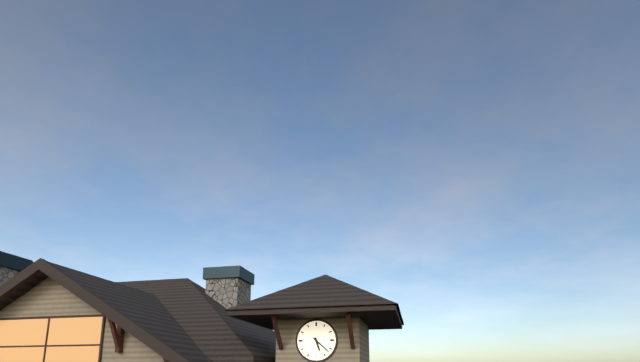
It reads 5 h 22 min
